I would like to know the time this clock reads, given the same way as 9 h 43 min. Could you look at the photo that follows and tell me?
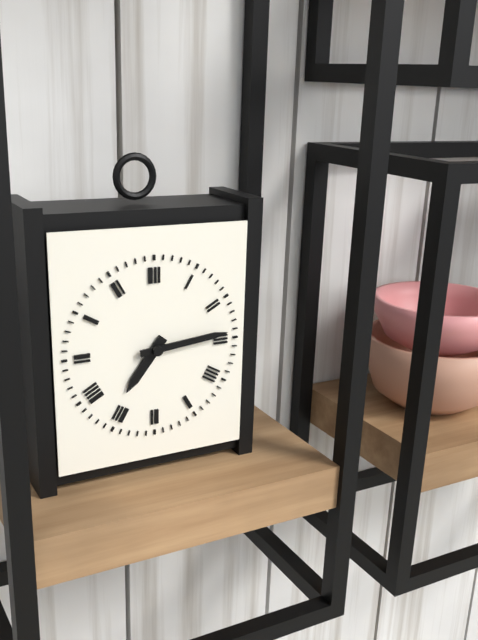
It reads 7 h 14 min
